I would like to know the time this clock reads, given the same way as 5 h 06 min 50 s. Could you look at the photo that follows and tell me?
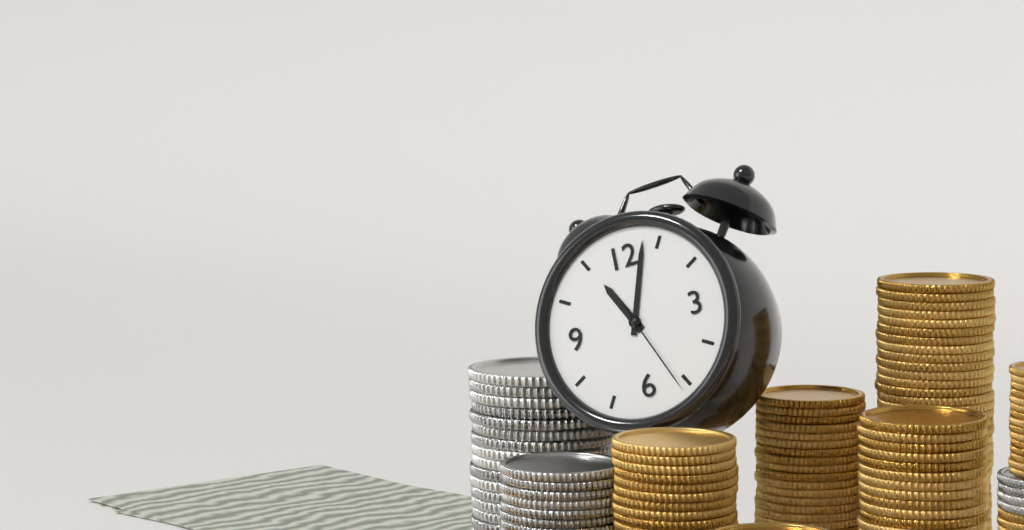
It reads 11 h 03 min 26 s
